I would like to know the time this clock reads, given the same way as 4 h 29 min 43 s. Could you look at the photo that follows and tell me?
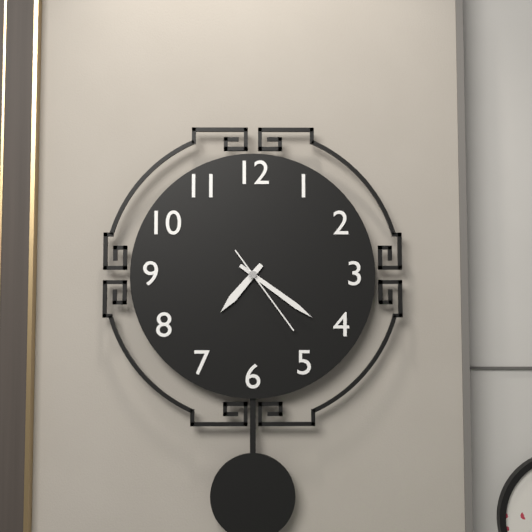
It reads 7 h 21 min 24 s
